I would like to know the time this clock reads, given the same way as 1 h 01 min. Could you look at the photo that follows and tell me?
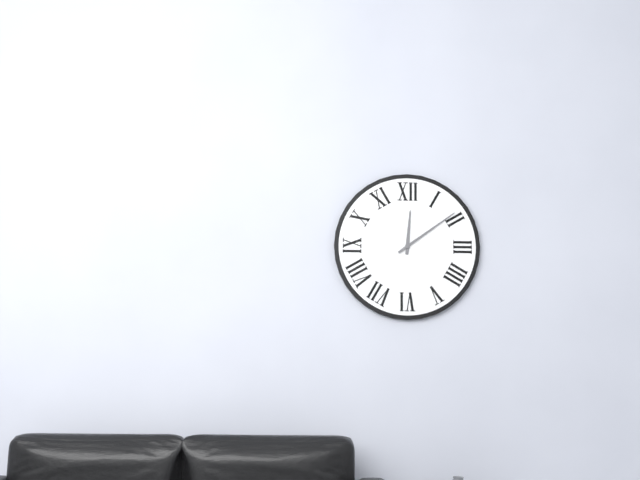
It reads 12 h 09 min
